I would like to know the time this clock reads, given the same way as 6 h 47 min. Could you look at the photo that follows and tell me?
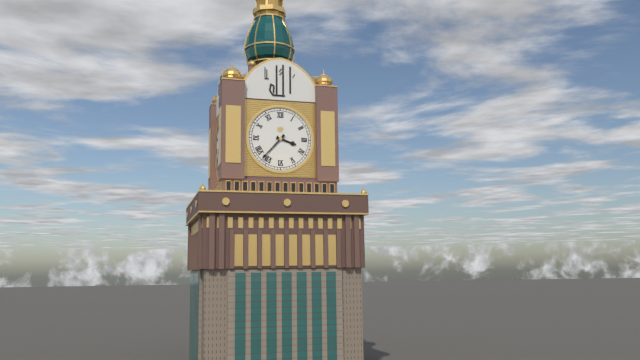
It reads 3 h 37 min
